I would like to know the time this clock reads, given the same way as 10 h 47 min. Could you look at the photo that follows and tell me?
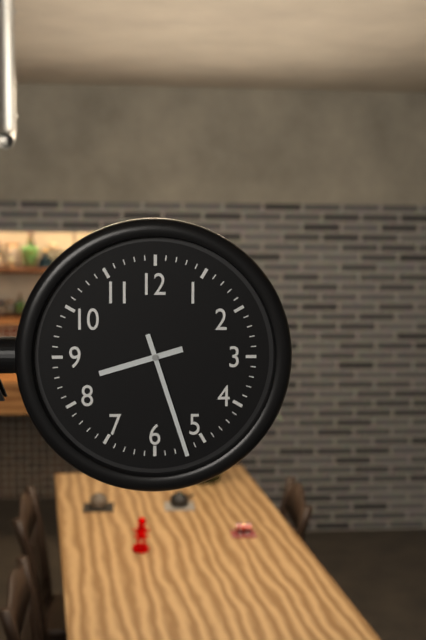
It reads 8 h 27 min
